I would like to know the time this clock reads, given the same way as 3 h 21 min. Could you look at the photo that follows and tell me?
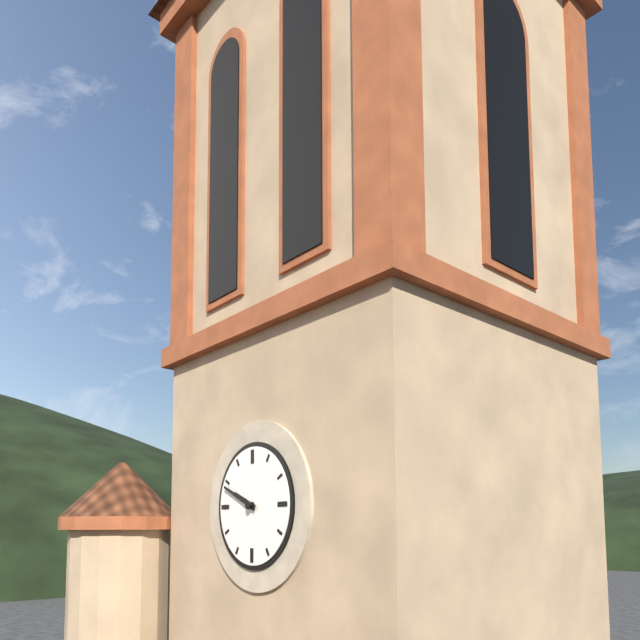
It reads 9 h 49 min
